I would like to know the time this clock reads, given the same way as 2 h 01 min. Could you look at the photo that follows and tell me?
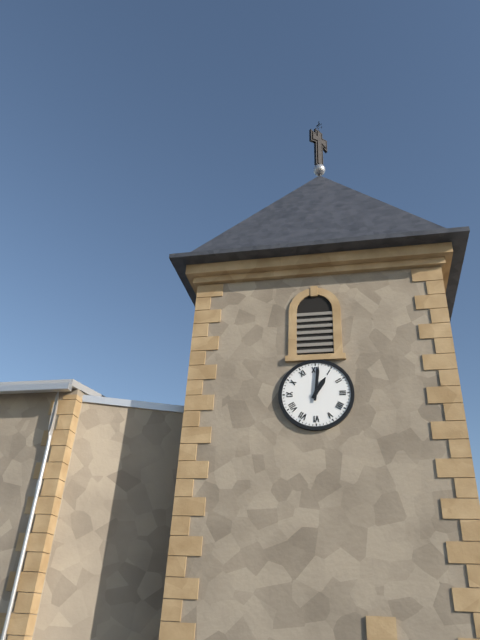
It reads 1 h 01 min
